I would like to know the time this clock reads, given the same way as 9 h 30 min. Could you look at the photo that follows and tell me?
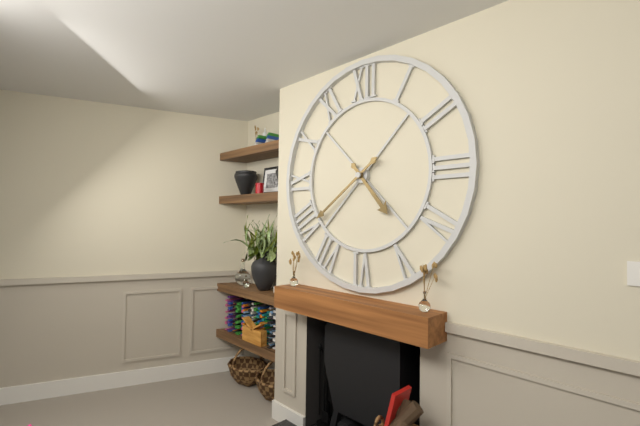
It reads 4 h 39 min
